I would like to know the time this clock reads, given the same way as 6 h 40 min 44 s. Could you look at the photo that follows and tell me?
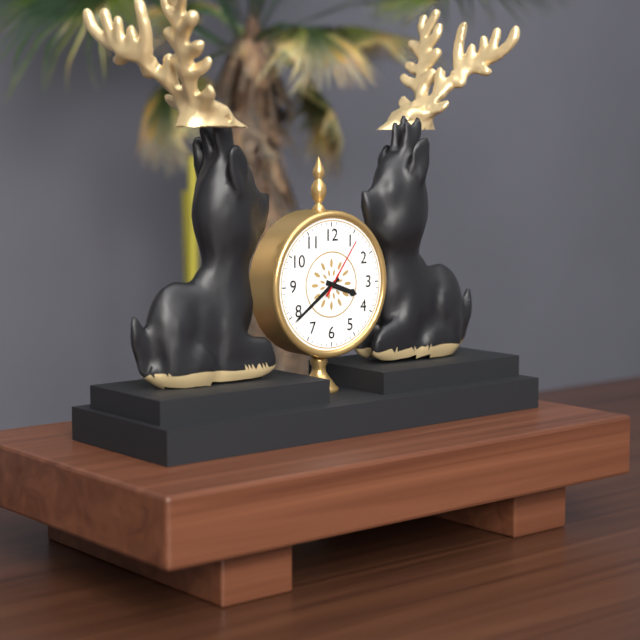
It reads 3 h 39 min 06 s
